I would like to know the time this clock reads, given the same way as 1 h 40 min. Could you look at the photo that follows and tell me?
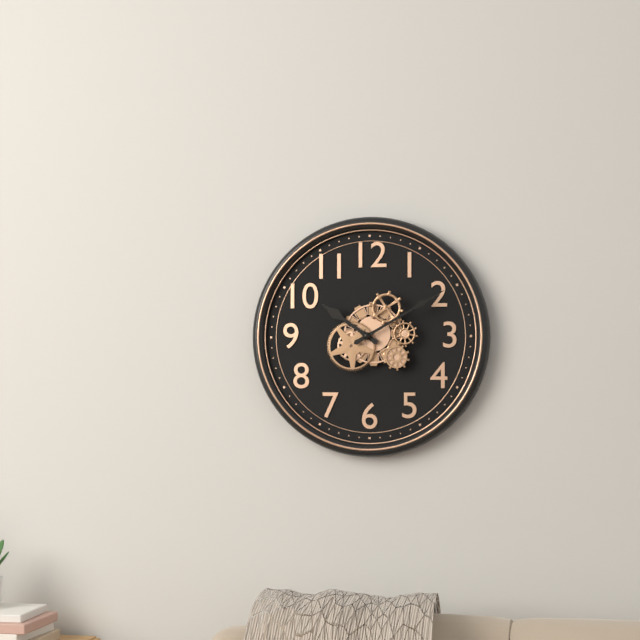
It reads 10 h 10 min
